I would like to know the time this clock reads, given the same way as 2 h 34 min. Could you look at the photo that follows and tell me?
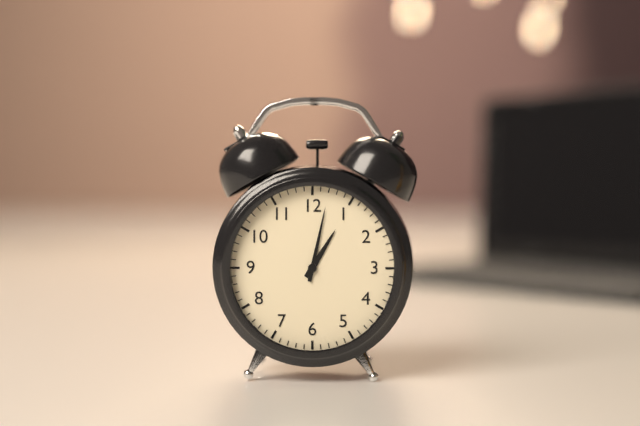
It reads 1 h 02 min
